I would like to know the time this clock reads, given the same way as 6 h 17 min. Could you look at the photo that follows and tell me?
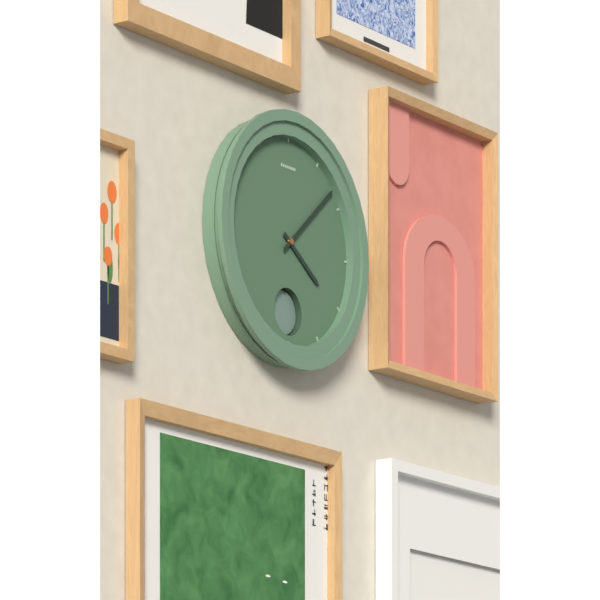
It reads 4 h 08 min
